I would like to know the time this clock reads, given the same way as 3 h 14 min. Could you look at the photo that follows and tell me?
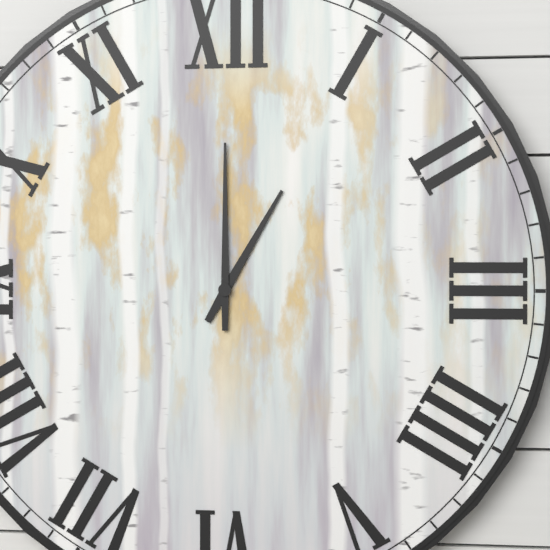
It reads 1 h 00 min
